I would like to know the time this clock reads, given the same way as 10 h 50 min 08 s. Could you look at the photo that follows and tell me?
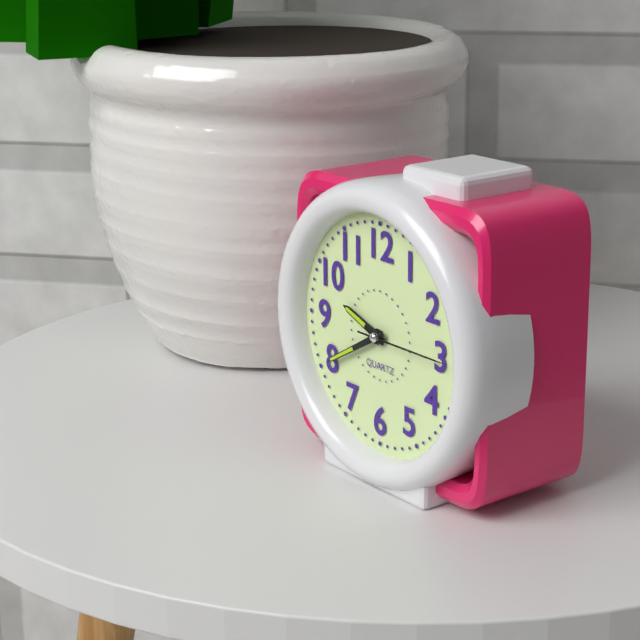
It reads 9 h 40 min 15 s
